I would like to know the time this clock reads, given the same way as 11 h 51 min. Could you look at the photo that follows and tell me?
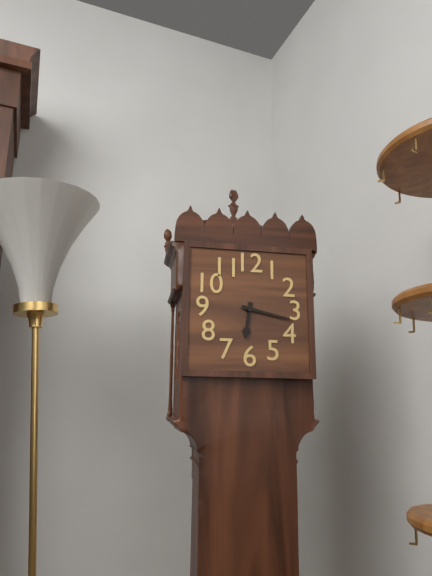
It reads 6 h 17 min
